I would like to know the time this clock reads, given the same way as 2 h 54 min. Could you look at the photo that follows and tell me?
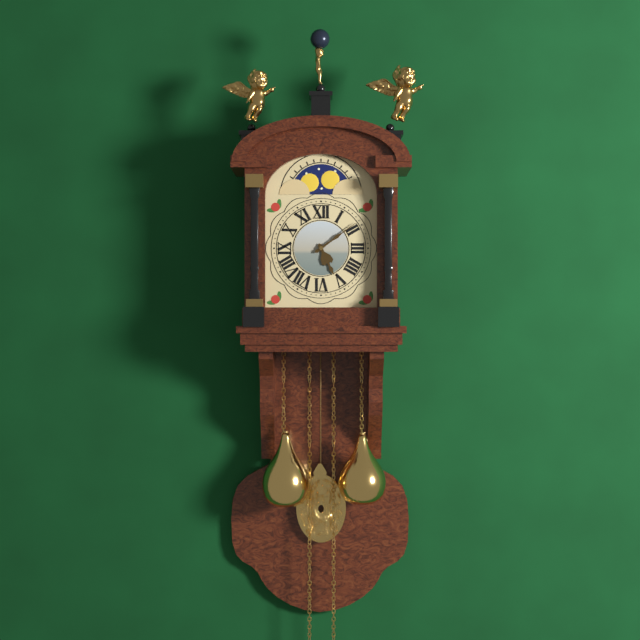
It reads 5 h 09 min
